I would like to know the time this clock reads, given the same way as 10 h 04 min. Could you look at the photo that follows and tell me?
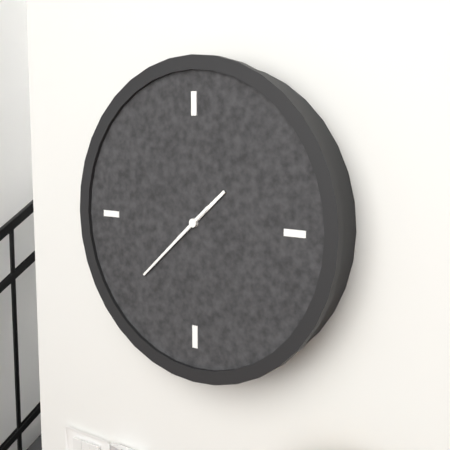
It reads 1 h 38 min
